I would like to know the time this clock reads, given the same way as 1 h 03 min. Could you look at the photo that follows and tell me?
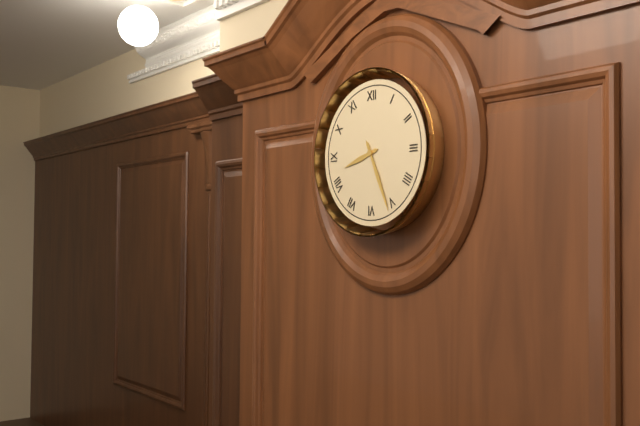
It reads 8 h 26 min
